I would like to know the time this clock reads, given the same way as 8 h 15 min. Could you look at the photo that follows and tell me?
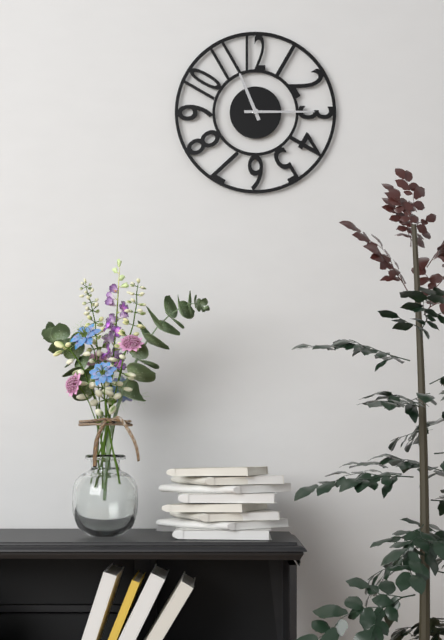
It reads 11 h 15 min
